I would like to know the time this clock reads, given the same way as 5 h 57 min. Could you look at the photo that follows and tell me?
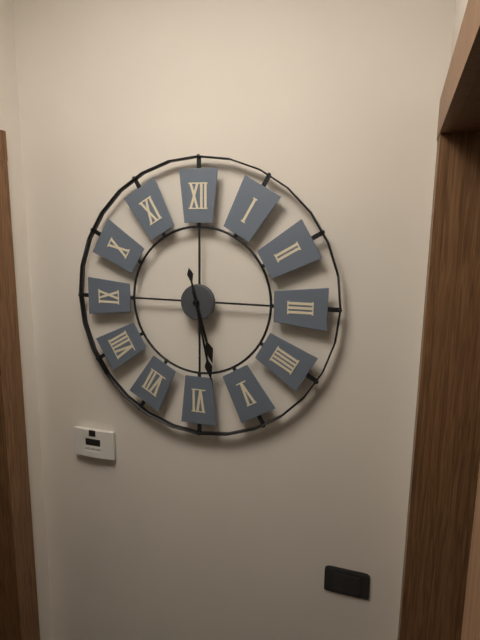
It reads 5 h 28 min
